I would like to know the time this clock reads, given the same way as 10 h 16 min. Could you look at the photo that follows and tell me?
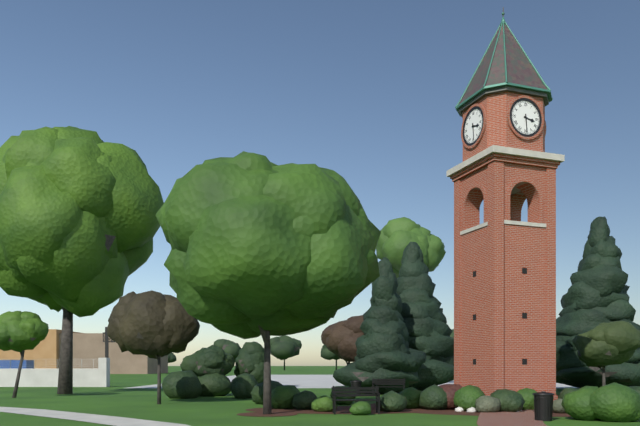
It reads 3 h 29 min
